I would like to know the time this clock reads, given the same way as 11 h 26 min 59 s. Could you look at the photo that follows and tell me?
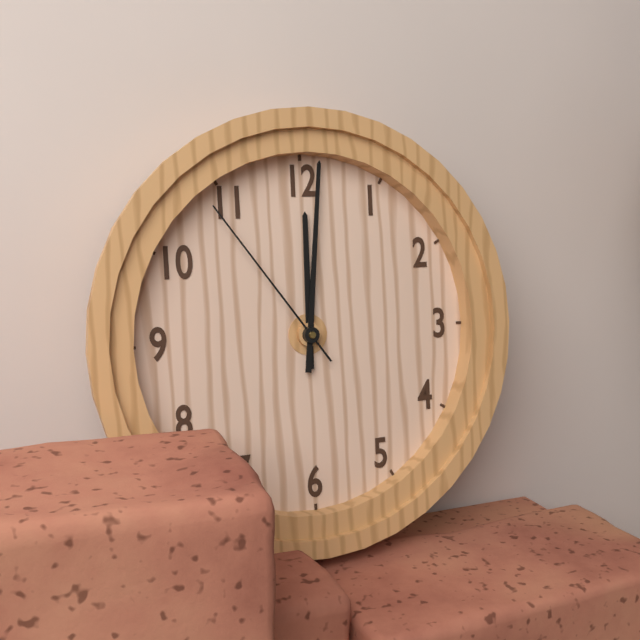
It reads 12 h 01 min 54 s
